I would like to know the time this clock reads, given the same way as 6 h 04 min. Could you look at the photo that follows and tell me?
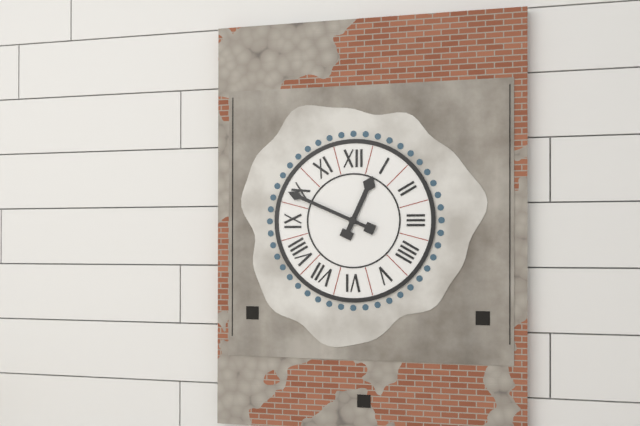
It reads 12 h 49 min
